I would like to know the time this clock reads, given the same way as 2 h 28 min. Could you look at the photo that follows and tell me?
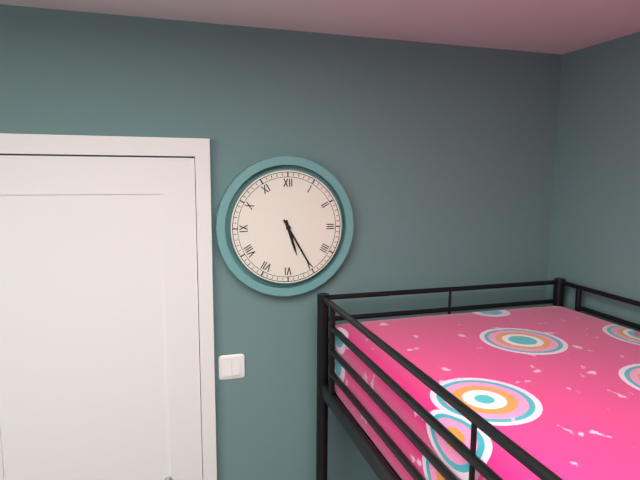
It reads 5 h 25 min
